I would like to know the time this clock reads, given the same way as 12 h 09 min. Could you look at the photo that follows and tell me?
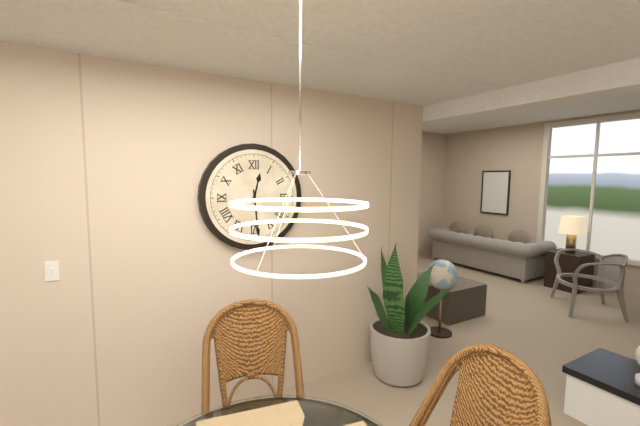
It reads 12 h 29 min
